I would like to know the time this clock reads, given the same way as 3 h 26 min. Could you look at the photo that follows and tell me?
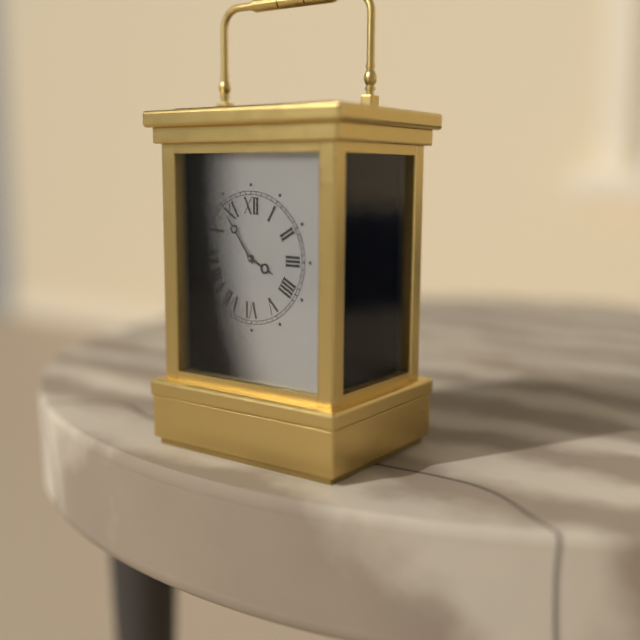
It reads 3 h 54 min
